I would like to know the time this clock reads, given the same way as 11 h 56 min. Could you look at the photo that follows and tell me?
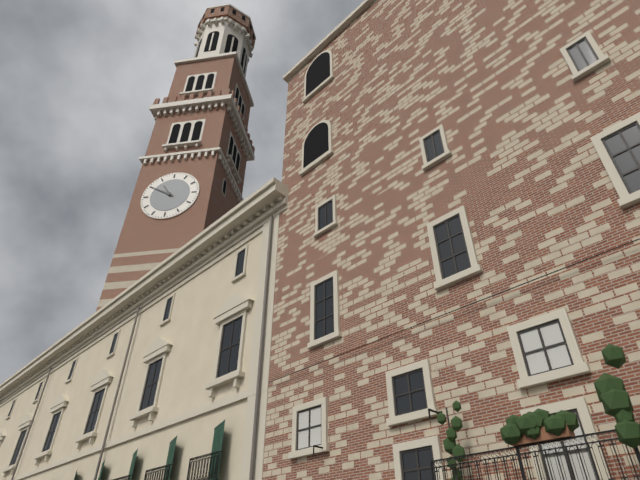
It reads 10 h 50 min
